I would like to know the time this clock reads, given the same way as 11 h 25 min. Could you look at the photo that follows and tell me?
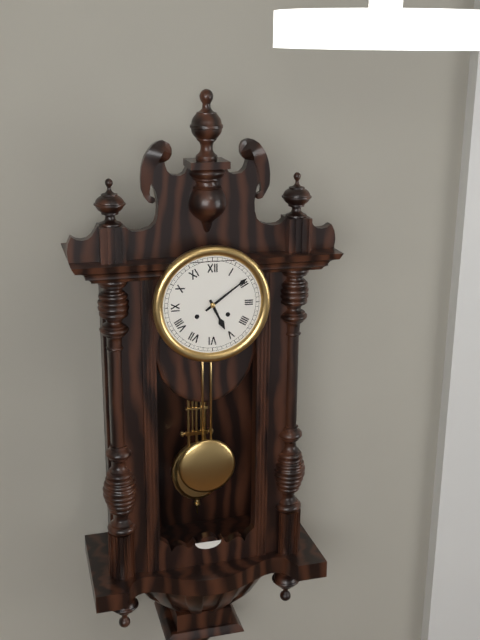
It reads 5 h 09 min
